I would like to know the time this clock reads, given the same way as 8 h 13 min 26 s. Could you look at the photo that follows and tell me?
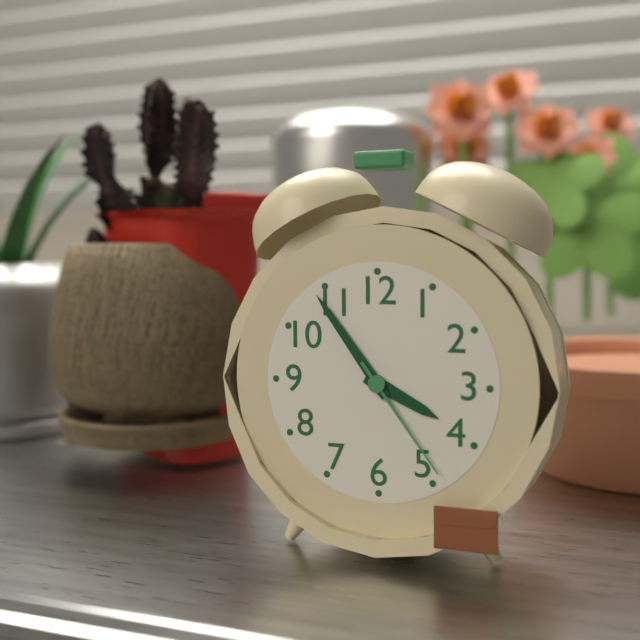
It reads 3 h 54 min 24 s
